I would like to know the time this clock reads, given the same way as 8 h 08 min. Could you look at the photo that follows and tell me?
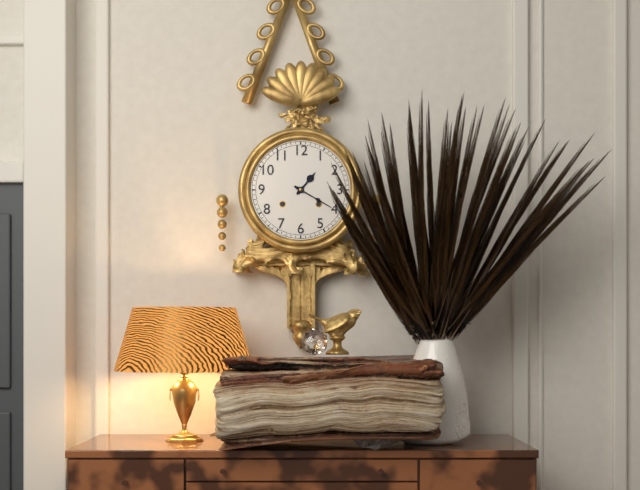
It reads 1 h 20 min
